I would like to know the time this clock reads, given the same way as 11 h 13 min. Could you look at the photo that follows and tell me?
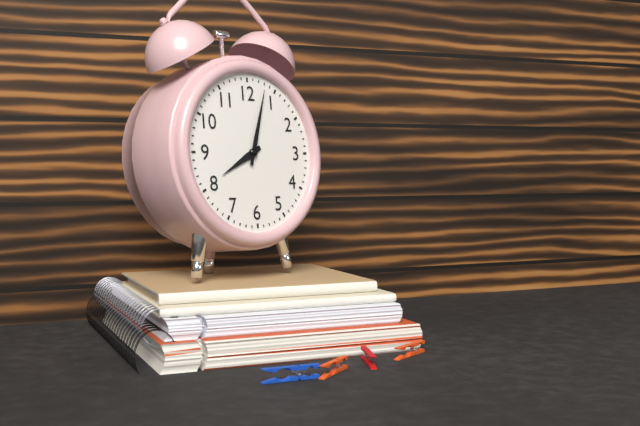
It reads 8 h 03 min
